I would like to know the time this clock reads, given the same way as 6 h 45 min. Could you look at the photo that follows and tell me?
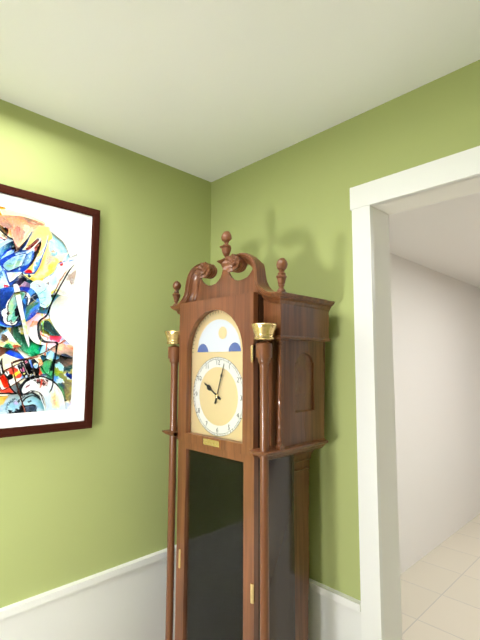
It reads 10 h 03 min
